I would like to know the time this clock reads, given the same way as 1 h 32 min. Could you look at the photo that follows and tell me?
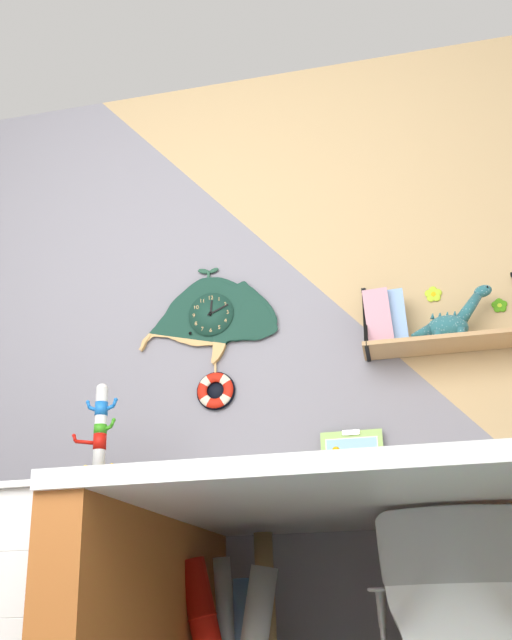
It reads 12 h 11 min
